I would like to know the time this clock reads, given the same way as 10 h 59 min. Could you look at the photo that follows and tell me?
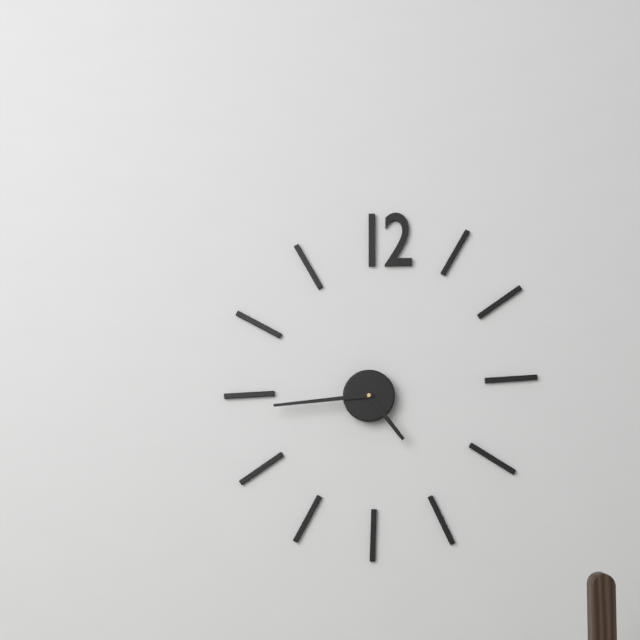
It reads 4 h 44 min
